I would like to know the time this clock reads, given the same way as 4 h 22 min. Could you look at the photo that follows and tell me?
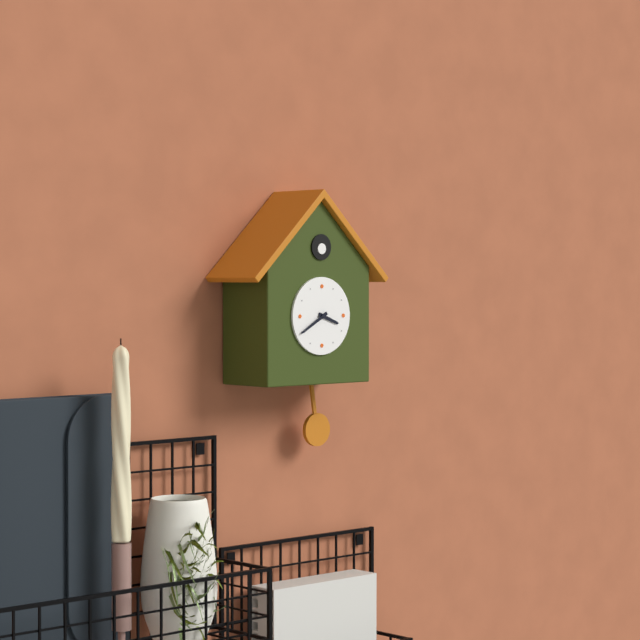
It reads 3 h 40 min
